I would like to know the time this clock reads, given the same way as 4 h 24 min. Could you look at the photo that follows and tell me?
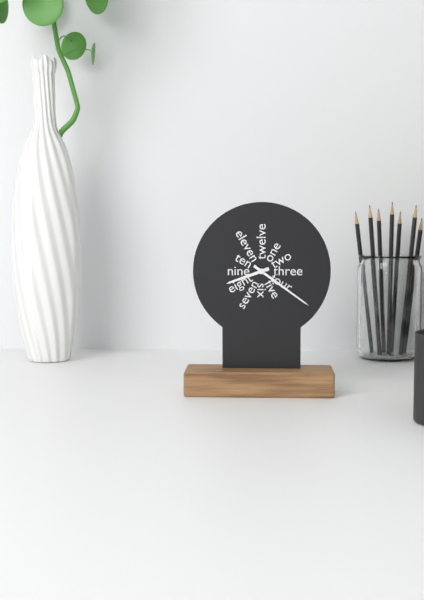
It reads 8 h 21 min
